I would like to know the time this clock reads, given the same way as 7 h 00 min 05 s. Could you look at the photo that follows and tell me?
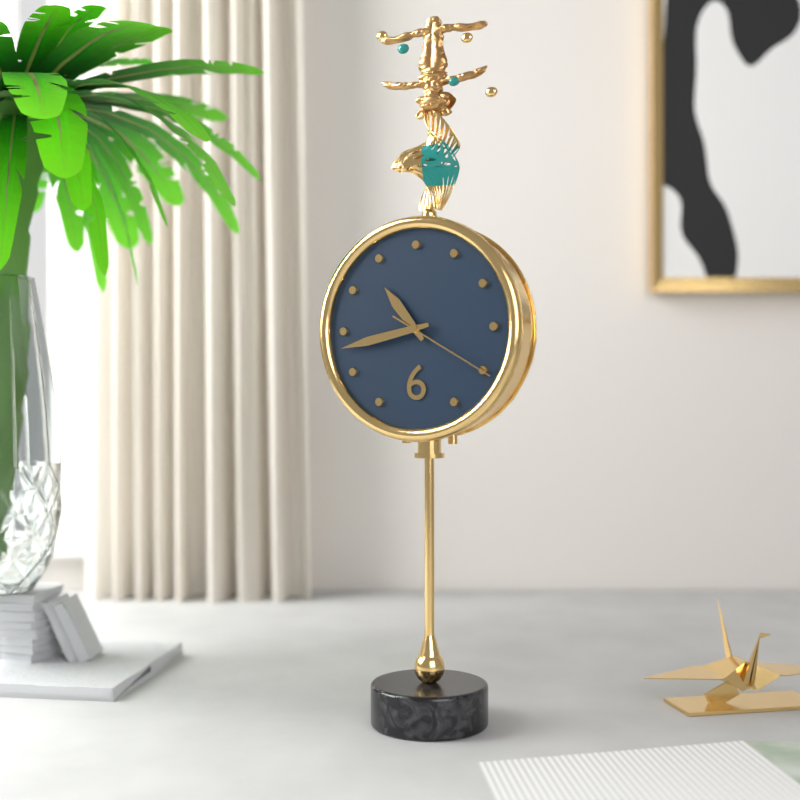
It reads 10 h 43 min 20 s
